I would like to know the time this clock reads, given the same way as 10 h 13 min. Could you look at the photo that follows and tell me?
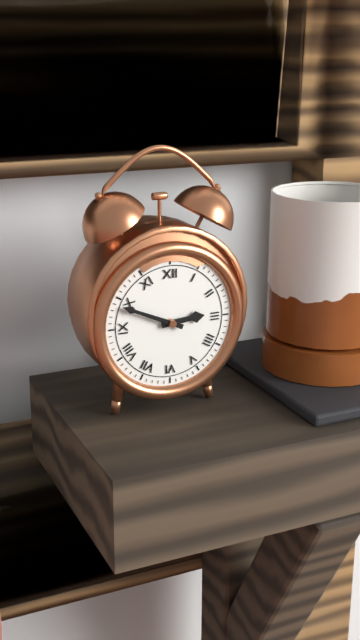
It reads 2 h 49 min
